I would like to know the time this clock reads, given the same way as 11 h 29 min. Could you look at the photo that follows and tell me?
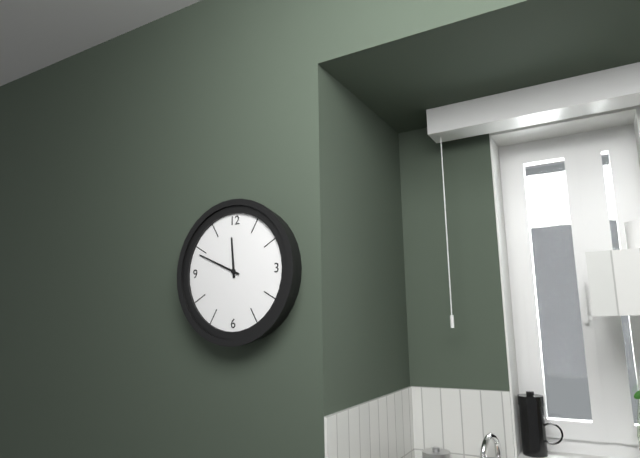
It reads 11 h 49 min
